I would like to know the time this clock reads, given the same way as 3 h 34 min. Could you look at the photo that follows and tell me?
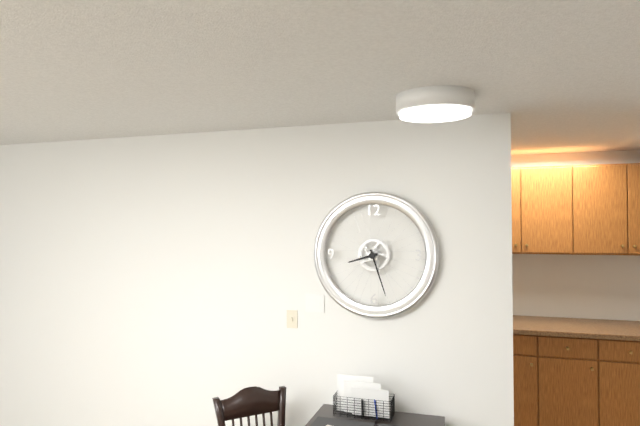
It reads 8 h 27 min
